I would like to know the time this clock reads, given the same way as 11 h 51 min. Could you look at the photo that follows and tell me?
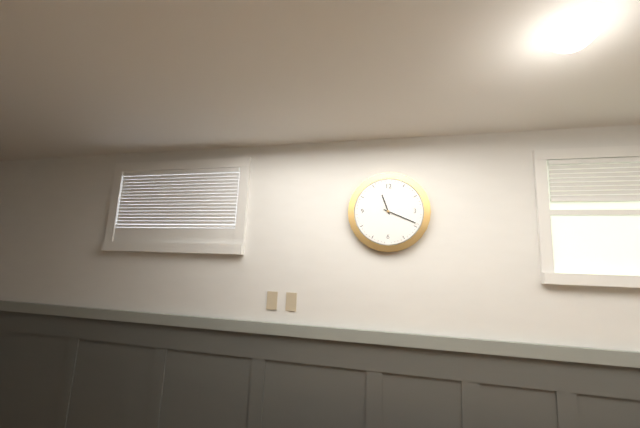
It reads 11 h 19 min
